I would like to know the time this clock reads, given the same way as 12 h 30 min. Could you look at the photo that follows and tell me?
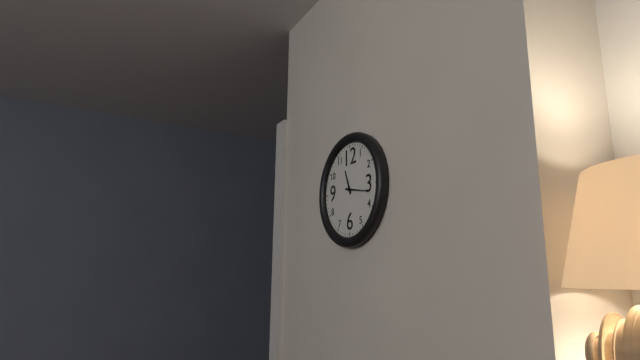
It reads 11 h 17 min
